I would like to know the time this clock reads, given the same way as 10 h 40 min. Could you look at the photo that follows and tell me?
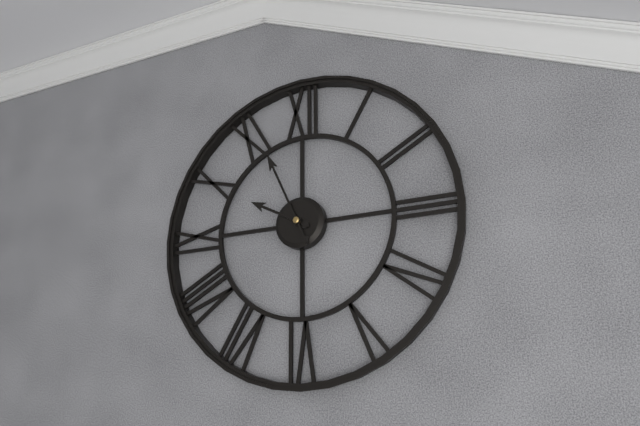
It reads 9 h 56 min
